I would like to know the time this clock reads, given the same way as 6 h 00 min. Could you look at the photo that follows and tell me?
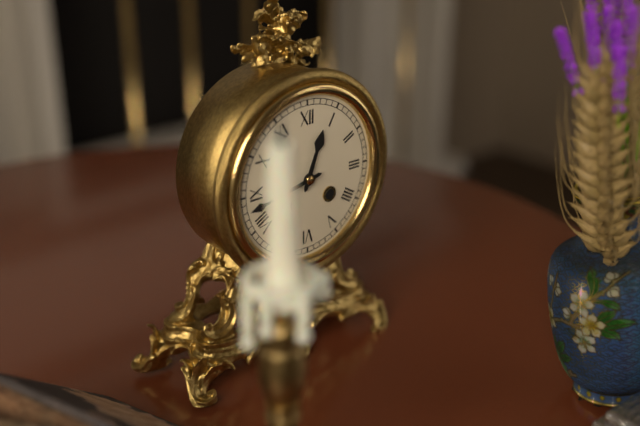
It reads 12 h 43 min
